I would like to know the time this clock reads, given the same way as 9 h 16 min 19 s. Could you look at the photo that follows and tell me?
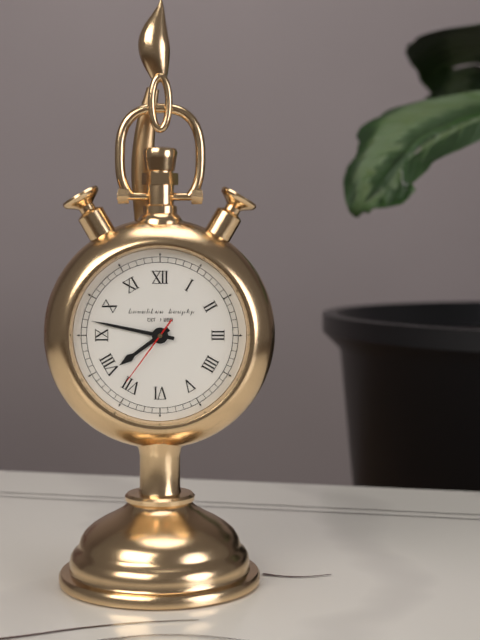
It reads 7 h 47 min 36 s
